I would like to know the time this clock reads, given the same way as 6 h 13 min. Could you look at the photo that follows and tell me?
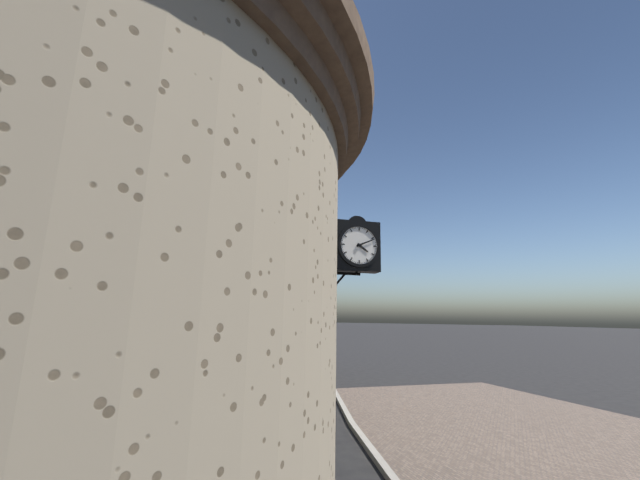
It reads 4 h 11 min
